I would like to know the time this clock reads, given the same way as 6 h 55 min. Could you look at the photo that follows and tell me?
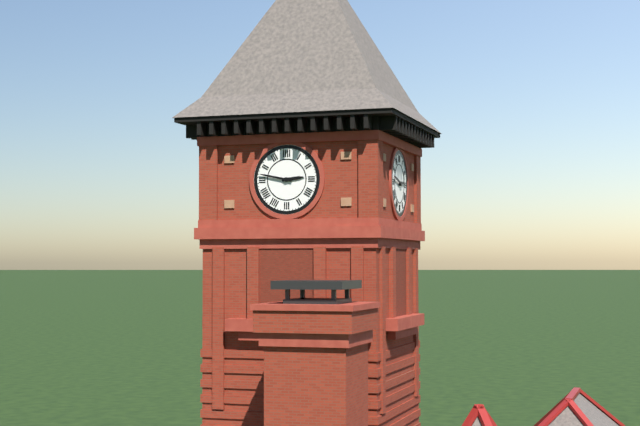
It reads 2 h 47 min
